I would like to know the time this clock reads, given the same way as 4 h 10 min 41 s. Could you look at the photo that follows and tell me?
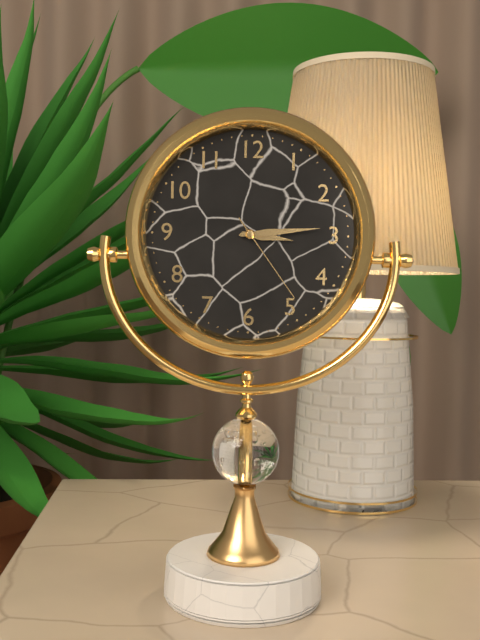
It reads 3 h 14 min 24 s
